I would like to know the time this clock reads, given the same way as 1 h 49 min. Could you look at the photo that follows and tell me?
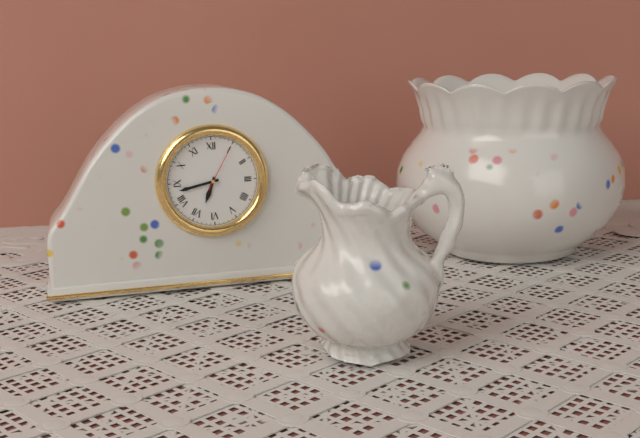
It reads 6 h 43 min
